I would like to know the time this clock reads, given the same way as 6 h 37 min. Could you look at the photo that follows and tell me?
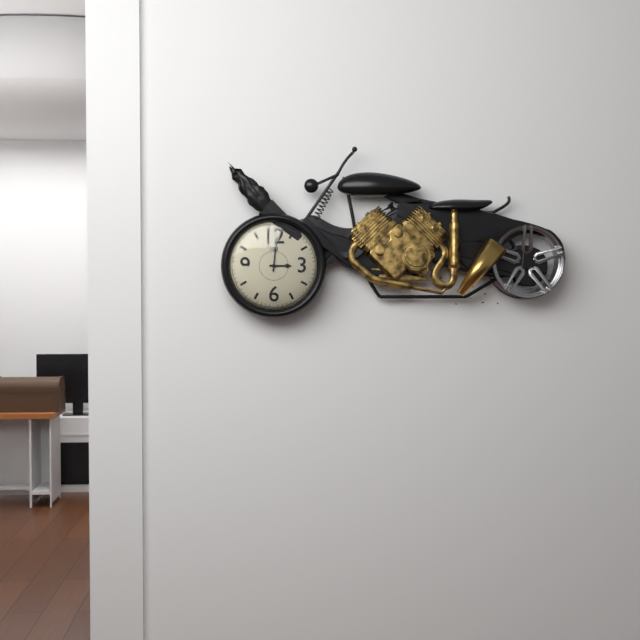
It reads 3 h 01 min
